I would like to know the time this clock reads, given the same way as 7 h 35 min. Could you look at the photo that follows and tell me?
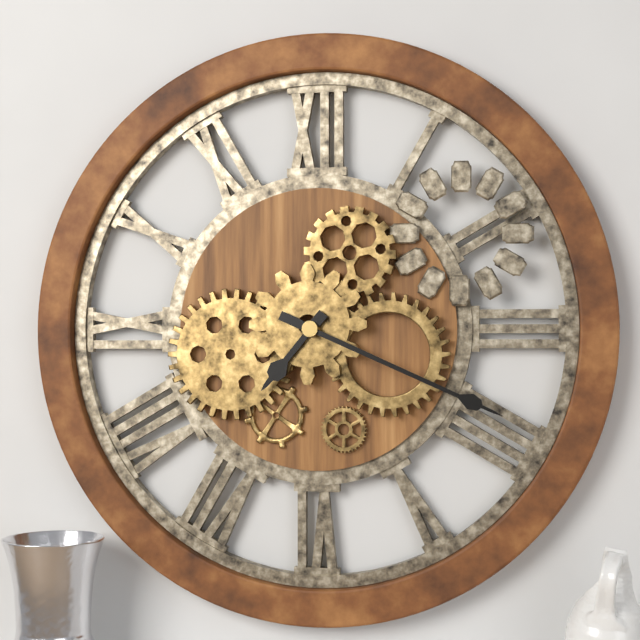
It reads 7 h 19 min
